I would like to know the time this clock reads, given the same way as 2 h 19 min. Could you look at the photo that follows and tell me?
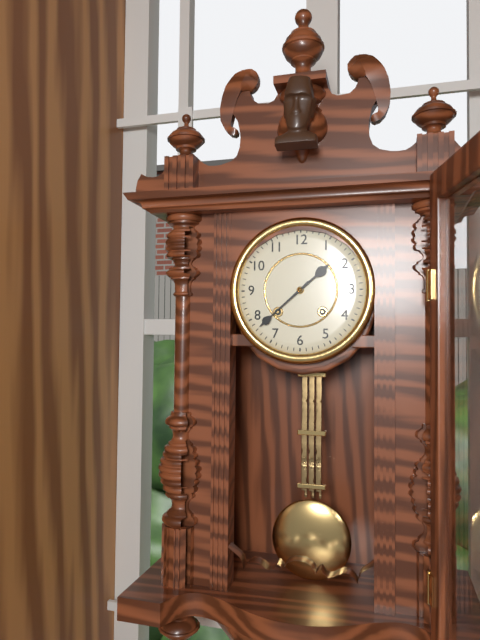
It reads 1 h 38 min
